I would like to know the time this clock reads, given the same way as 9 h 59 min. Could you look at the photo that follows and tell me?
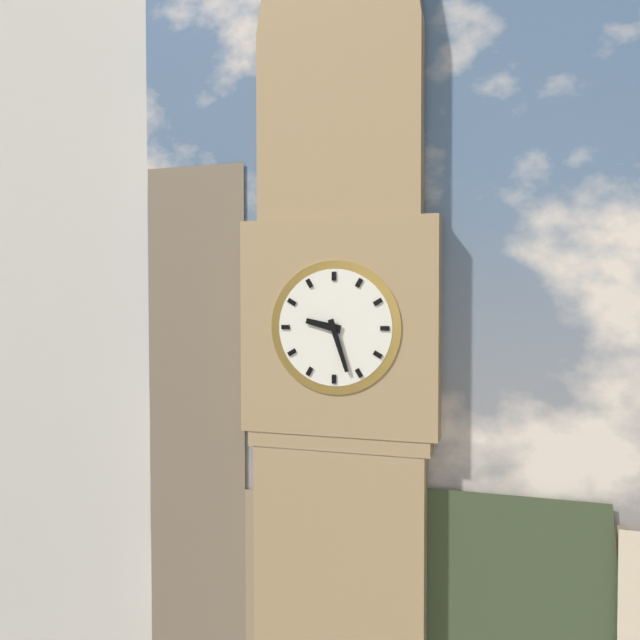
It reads 9 h 27 min
